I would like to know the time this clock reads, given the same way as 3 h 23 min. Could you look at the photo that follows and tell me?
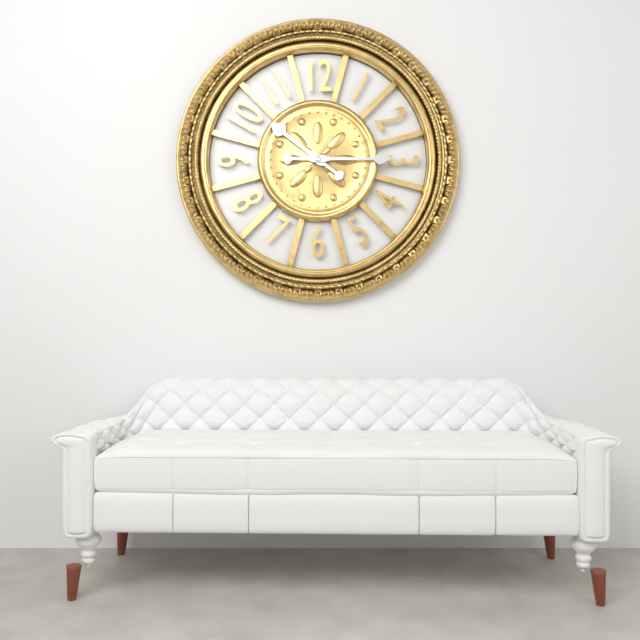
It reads 10 h 15 min
